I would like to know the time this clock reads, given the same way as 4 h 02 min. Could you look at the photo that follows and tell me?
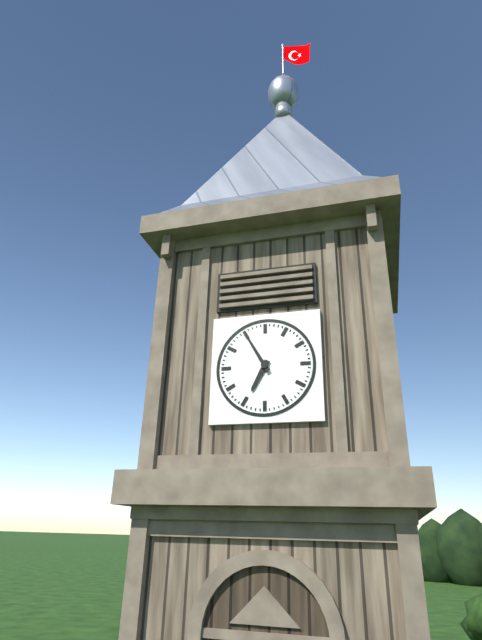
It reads 6 h 55 min
